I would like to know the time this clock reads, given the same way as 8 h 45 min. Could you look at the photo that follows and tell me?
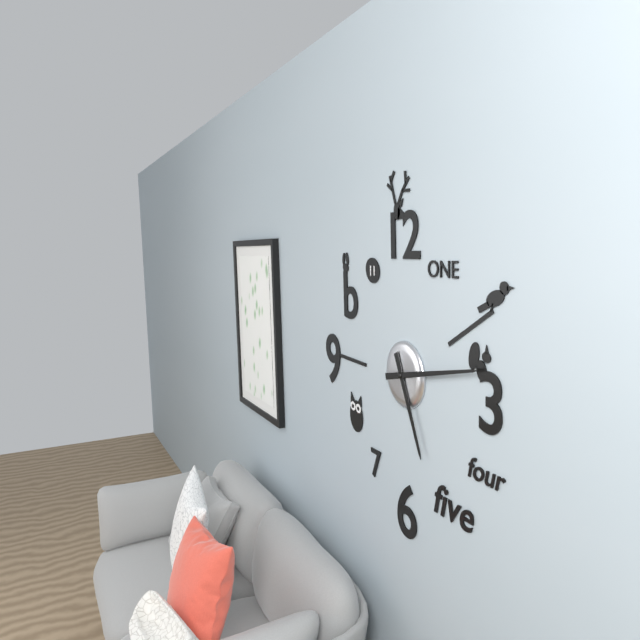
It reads 5 h 13 min
